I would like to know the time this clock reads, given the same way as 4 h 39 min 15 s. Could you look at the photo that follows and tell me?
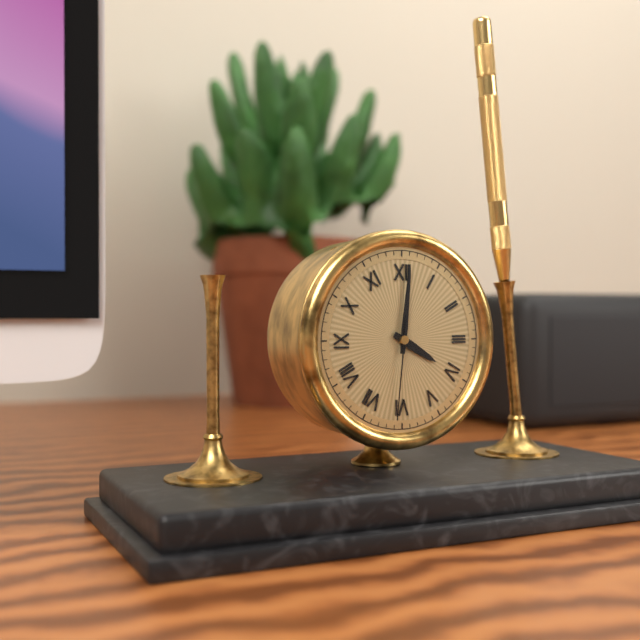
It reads 4 h 01 min 31 s
